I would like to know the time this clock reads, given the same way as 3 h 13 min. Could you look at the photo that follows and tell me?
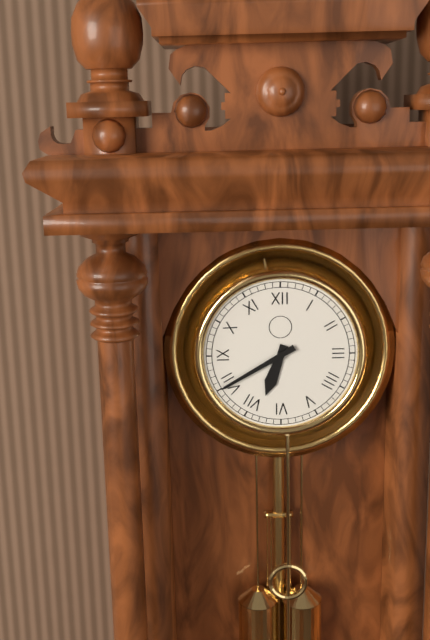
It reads 6 h 40 min
